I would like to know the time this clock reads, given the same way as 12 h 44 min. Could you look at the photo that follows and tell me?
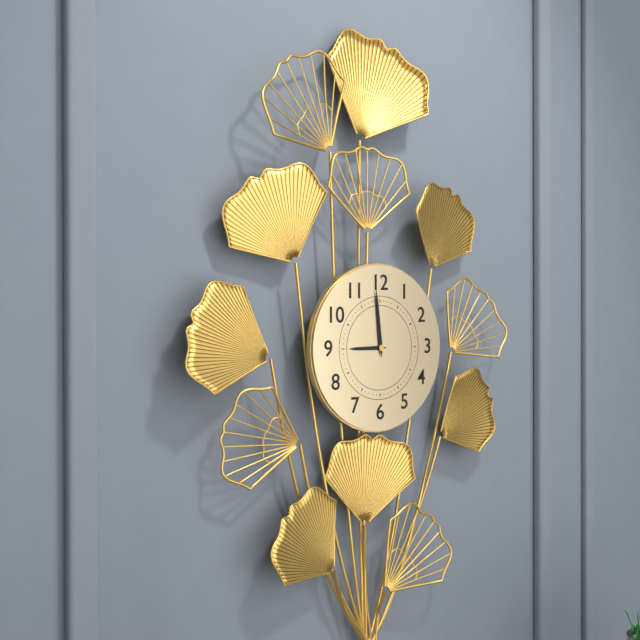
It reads 8 h 59 min
